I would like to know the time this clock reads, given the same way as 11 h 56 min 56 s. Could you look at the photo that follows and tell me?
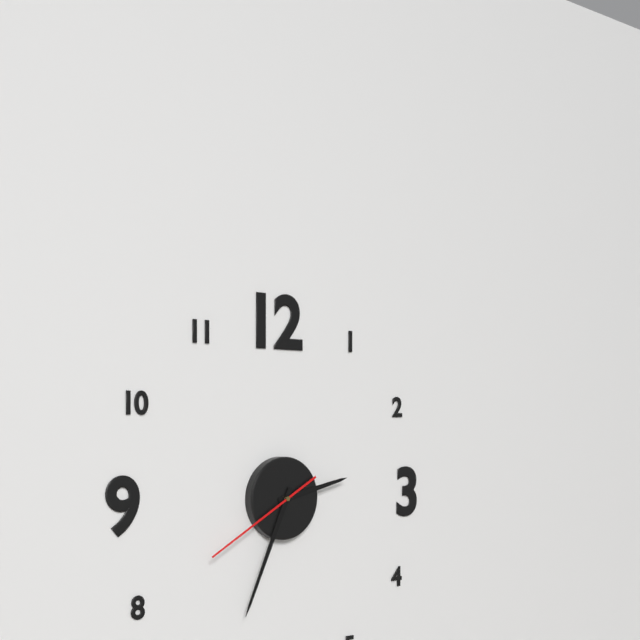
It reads 2 h 34 min 40 s
